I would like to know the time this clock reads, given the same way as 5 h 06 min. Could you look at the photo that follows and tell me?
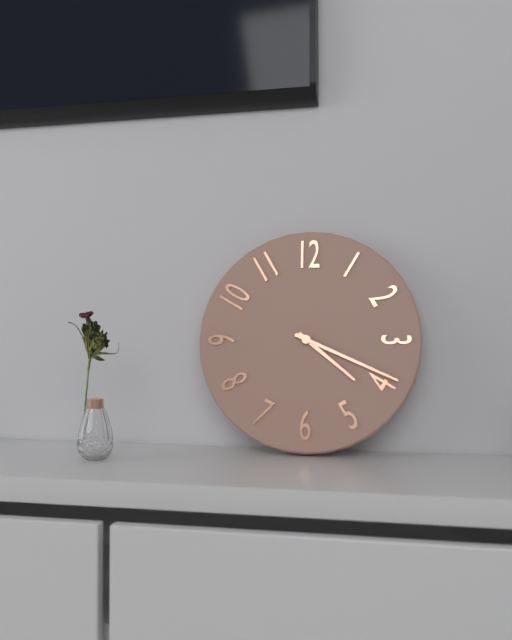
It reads 4 h 19 min
